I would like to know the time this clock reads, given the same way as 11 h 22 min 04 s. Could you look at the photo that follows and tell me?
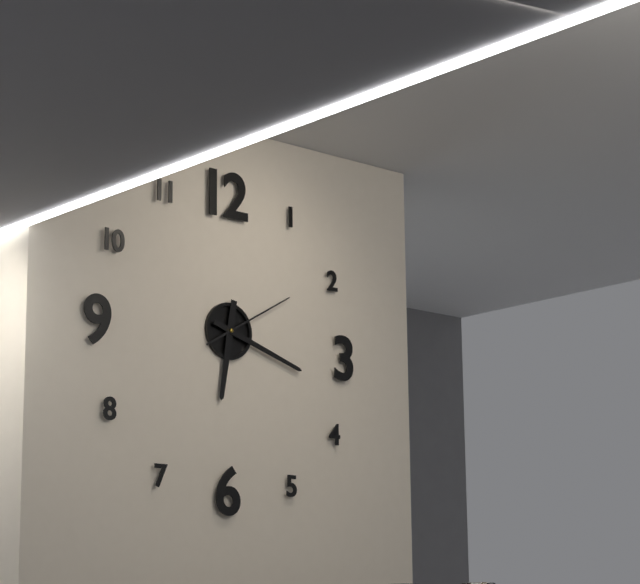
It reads 6 h 18 min 10 s
